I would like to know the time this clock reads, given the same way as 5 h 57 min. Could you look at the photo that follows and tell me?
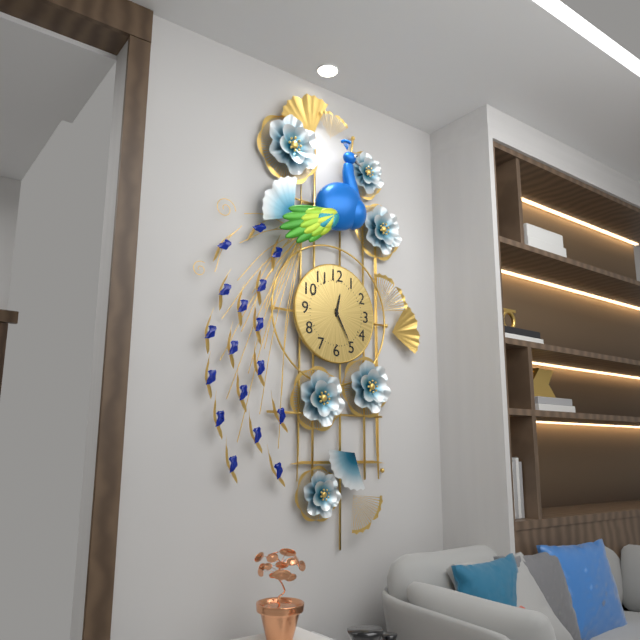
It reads 12 h 25 min
